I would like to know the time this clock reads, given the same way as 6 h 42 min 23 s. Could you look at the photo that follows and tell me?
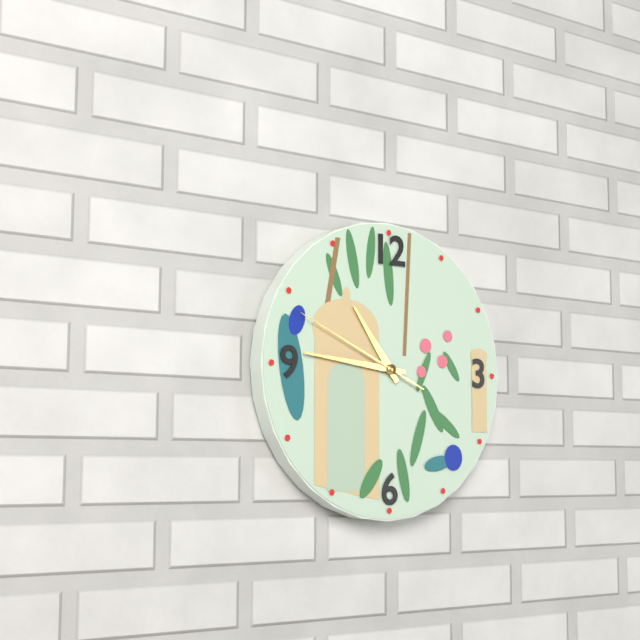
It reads 10 h 46 min 49 s
